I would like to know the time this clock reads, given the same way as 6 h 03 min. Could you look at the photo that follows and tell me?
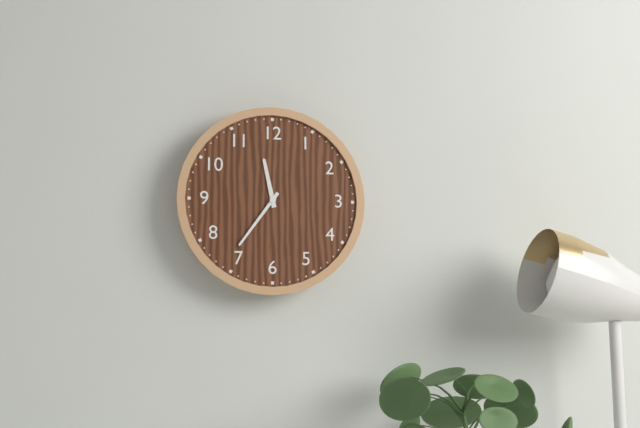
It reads 11 h 36 min
